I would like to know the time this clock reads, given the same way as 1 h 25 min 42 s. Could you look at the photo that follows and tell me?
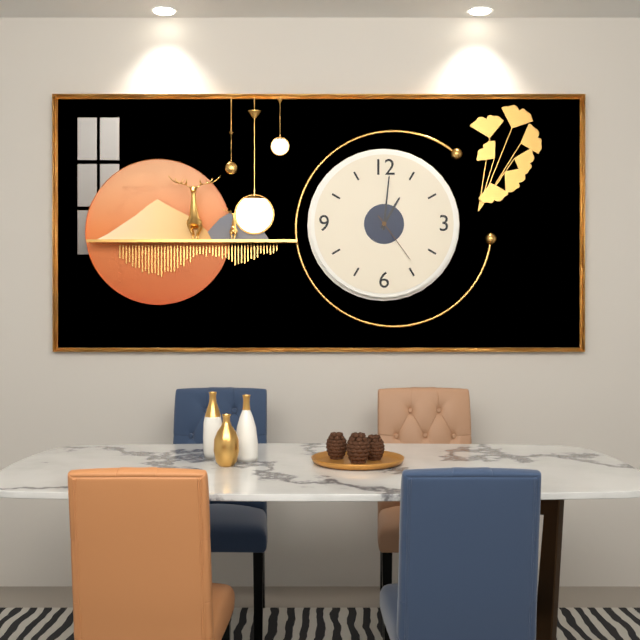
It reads 1 h 01 min 24 s
